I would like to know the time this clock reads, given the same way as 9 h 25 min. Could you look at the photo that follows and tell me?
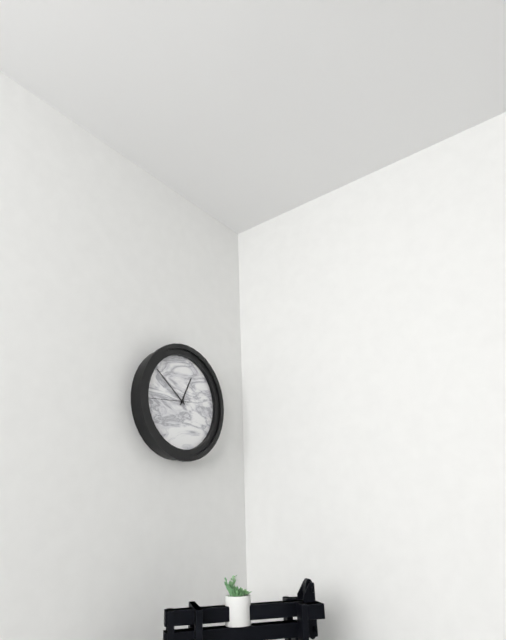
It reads 12 h 51 min
